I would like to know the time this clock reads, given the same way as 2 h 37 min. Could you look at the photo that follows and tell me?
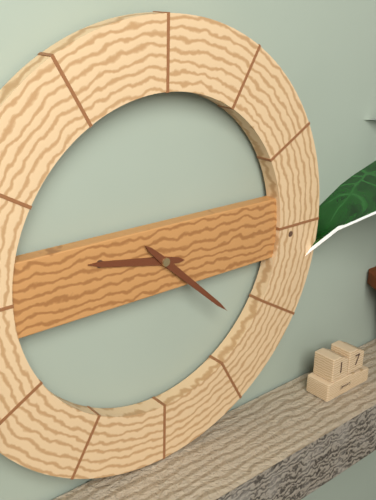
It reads 9 h 22 min
